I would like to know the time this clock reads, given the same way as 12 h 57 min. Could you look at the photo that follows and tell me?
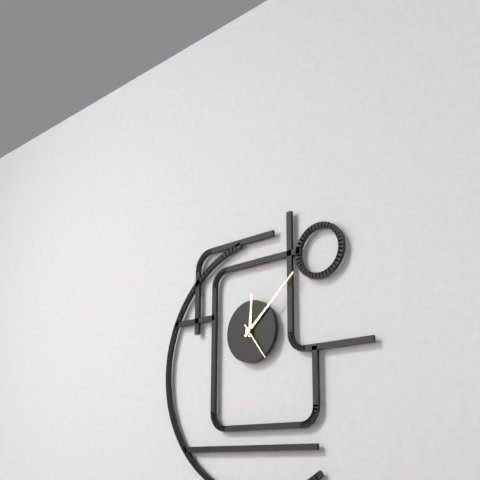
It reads 12 h 08 min
